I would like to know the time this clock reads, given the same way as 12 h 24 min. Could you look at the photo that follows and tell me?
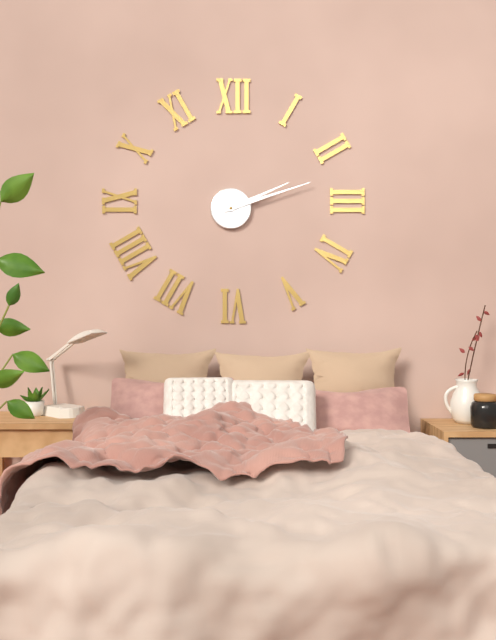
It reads 2 h 12 min
